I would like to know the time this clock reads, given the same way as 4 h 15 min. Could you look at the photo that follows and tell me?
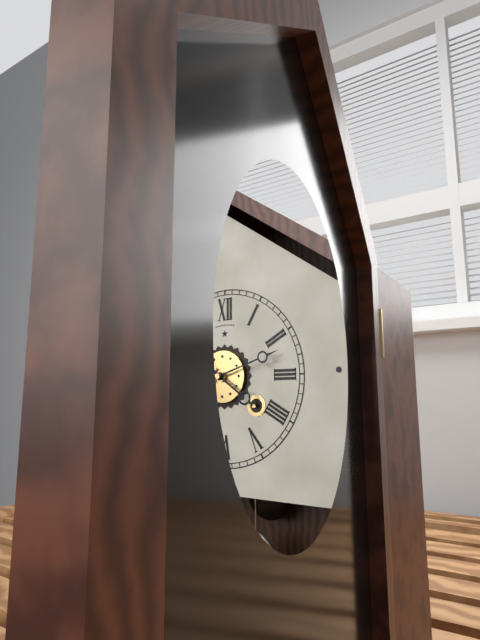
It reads 4 h 12 min
